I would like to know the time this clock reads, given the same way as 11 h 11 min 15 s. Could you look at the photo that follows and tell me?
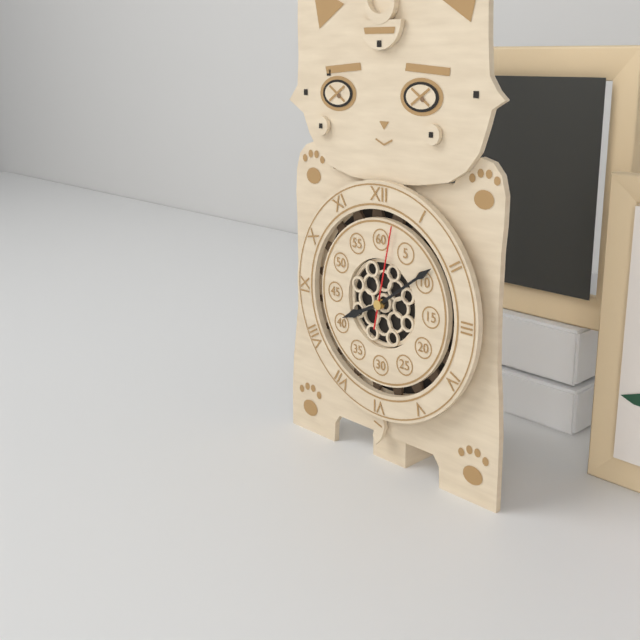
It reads 8 h 09 min 02 s
